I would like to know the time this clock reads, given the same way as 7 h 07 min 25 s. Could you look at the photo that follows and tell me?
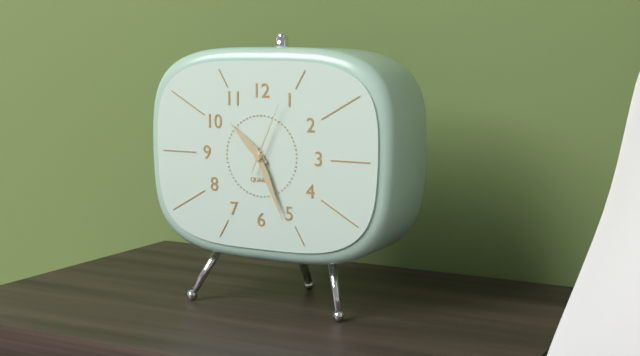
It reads 10 h 26 min 04 s
